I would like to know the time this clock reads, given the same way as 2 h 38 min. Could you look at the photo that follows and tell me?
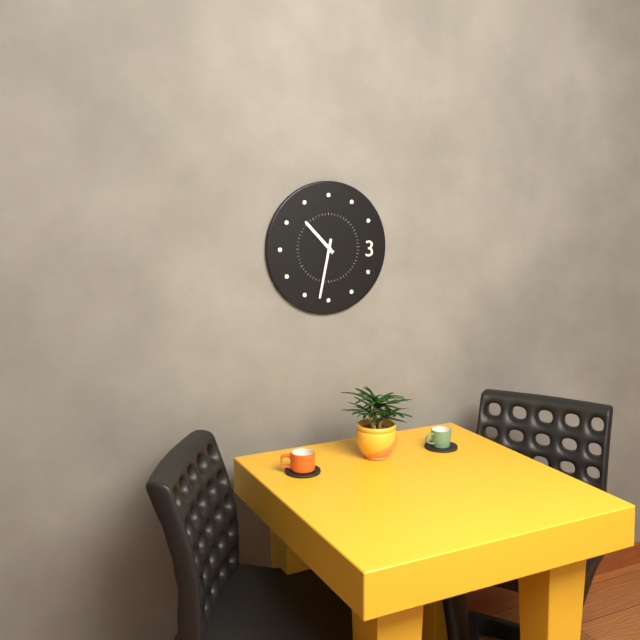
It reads 10 h 32 min
